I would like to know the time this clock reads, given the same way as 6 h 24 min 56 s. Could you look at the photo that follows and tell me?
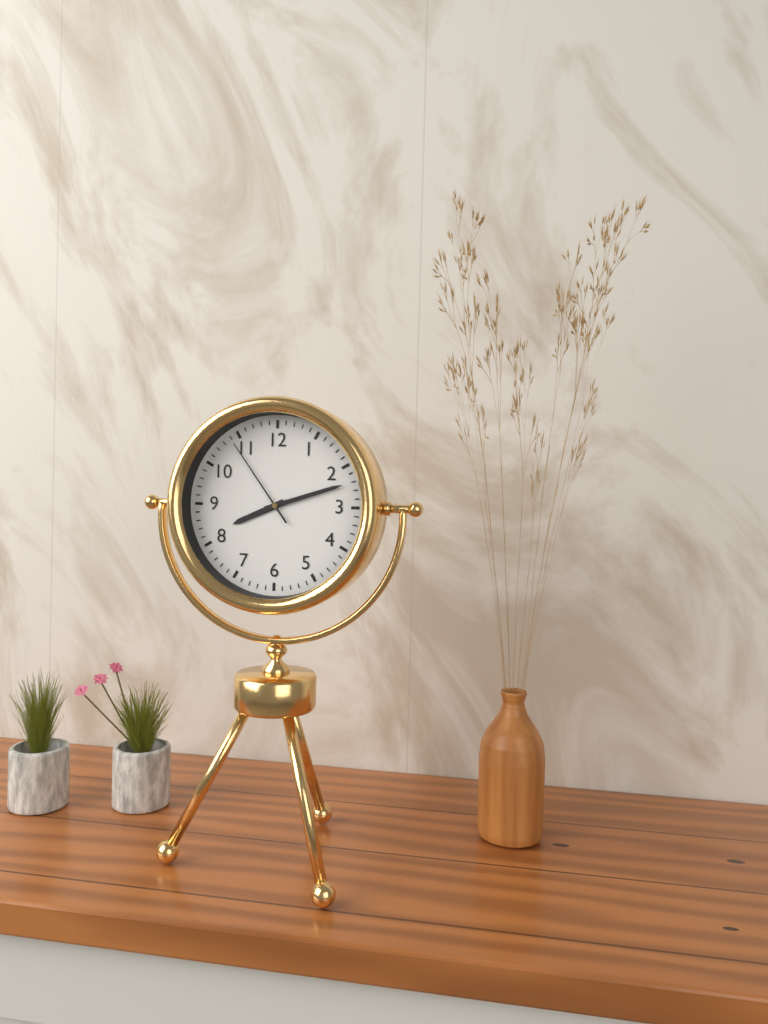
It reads 8 h 12 min 54 s
